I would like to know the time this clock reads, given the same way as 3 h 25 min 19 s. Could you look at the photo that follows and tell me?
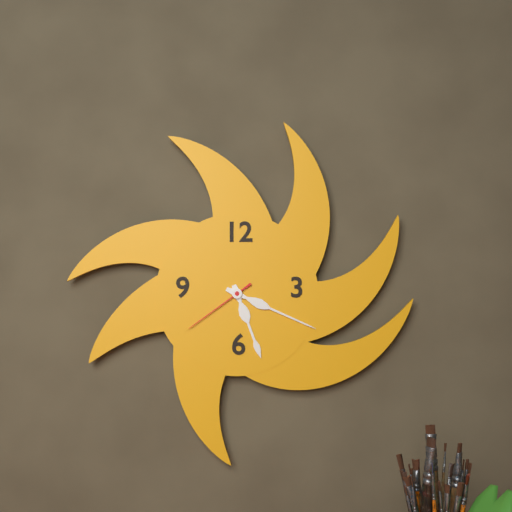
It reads 5 h 19 min 39 s
